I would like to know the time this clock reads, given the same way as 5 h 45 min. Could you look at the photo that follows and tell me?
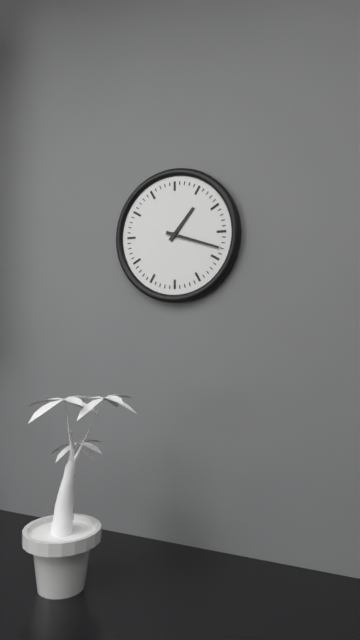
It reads 1 h 18 min
